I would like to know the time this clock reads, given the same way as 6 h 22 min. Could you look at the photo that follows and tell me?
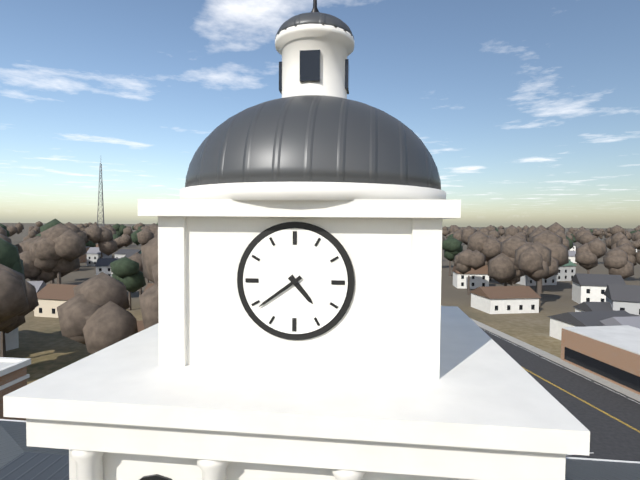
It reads 4 h 39 min
